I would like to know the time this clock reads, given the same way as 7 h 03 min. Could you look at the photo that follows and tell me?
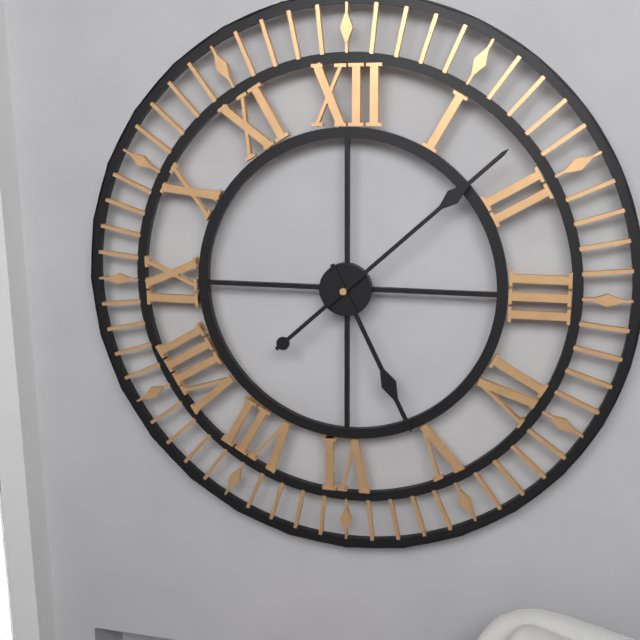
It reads 5 h 08 min
